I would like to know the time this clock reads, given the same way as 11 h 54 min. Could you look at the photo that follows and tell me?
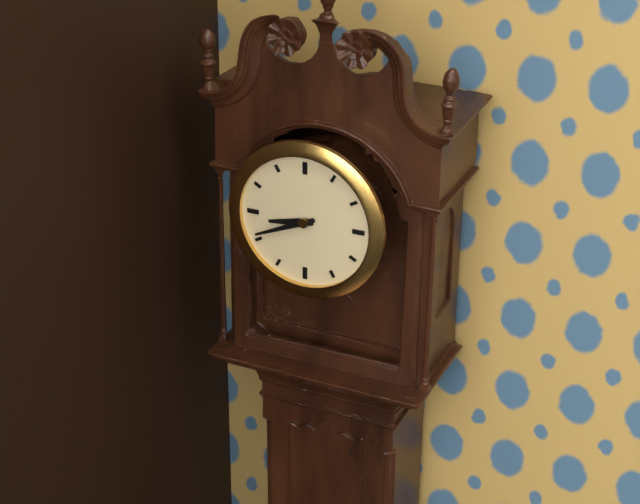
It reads 8 h 41 min
